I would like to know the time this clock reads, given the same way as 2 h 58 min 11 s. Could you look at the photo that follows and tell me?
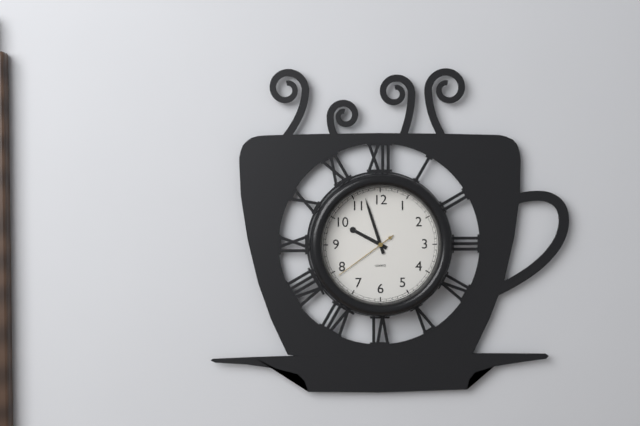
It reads 9 h 57 min 39 s
